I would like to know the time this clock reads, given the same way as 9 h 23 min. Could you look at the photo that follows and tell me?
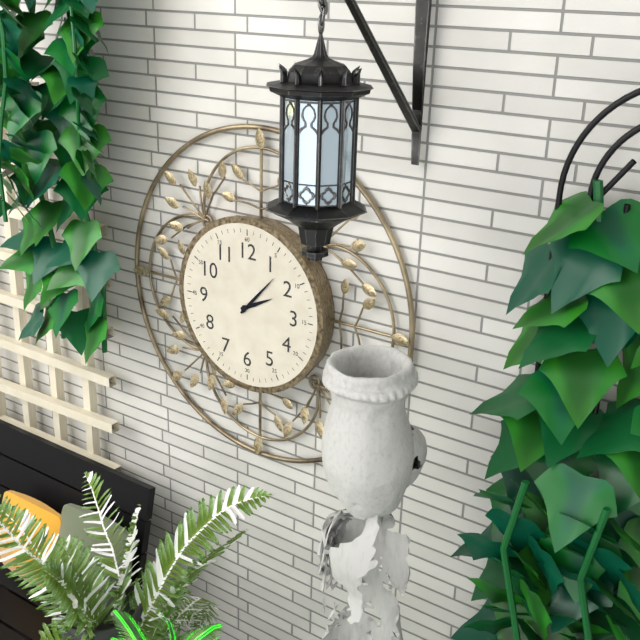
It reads 2 h 07 min
